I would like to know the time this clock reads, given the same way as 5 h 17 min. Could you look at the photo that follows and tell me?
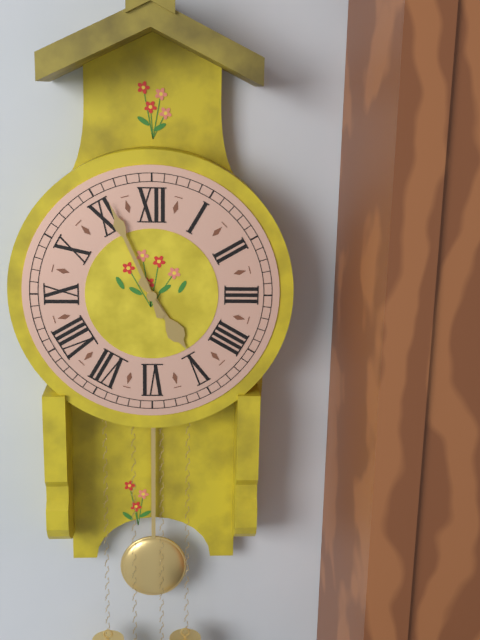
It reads 4 h 56 min
